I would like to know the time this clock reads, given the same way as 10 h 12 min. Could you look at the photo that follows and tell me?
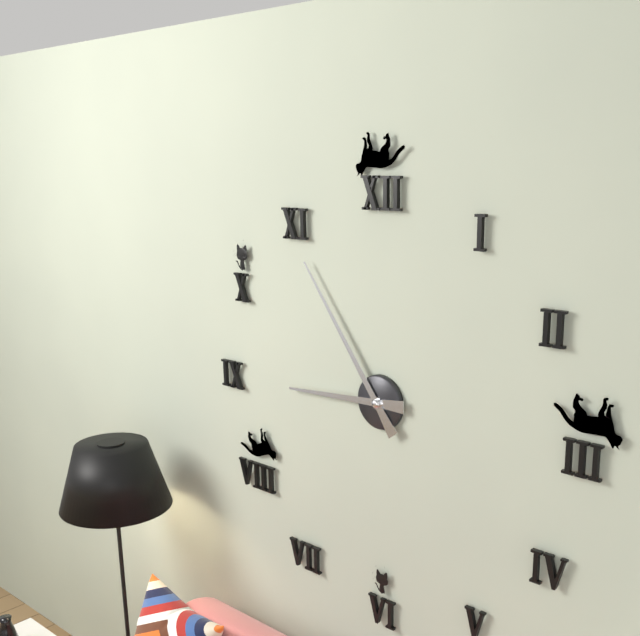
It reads 8 h 54 min
